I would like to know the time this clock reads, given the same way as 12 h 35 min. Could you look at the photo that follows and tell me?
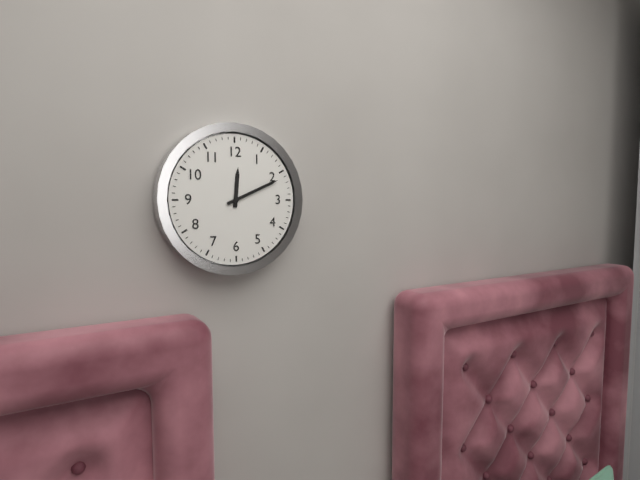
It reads 12 h 11 min
